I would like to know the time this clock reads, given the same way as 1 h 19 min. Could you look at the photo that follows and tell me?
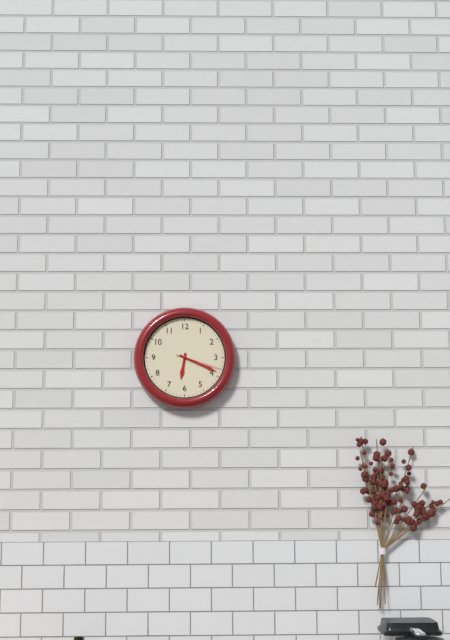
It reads 6 h 19 min
